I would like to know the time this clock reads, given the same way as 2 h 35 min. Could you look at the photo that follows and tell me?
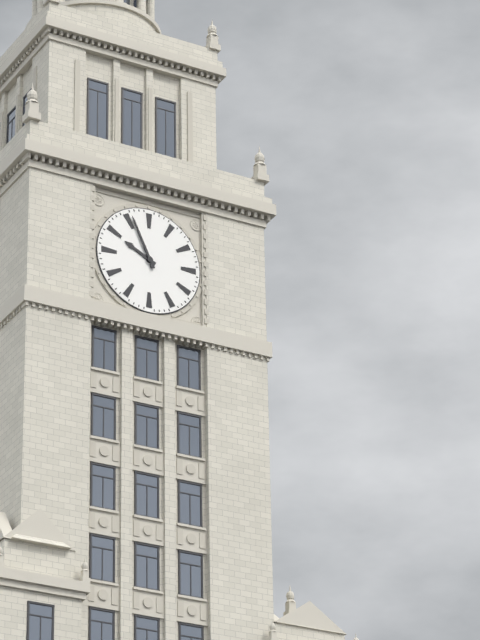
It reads 9 h 56 min
